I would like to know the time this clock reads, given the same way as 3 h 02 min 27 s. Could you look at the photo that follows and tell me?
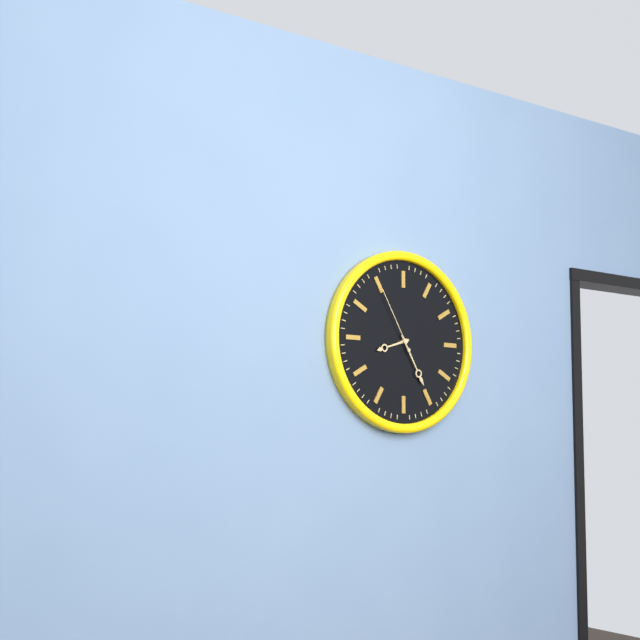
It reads 8 h 25 min 55 s
